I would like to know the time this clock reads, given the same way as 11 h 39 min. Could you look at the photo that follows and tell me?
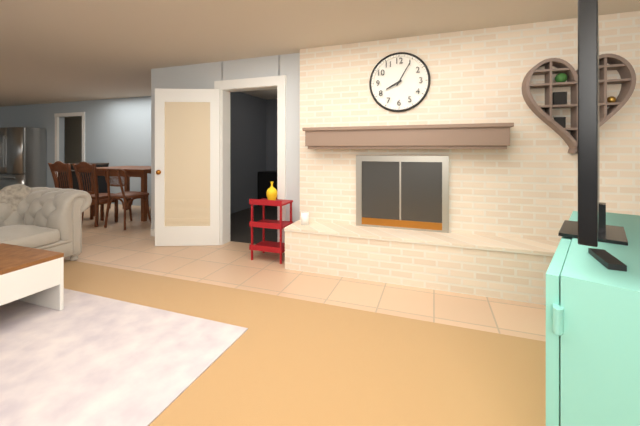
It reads 8 h 05 min
